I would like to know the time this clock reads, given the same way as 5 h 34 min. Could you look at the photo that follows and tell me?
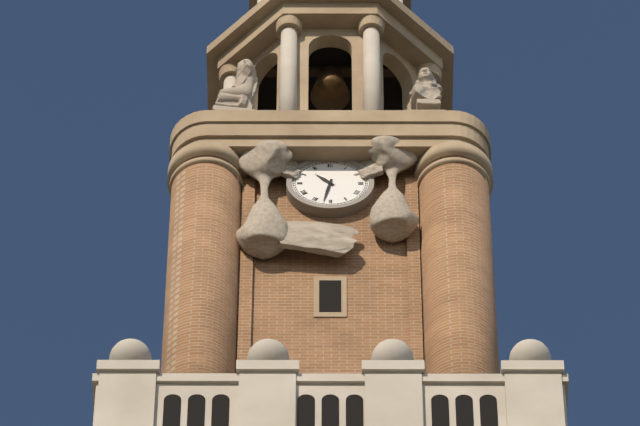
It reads 10 h 32 min
